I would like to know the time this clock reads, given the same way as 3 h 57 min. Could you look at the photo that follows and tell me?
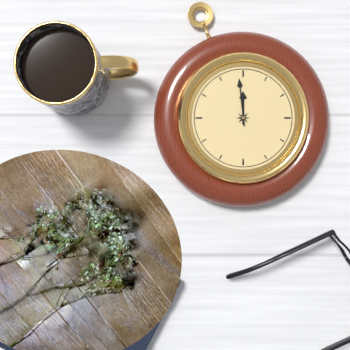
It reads 11 h 59 min
